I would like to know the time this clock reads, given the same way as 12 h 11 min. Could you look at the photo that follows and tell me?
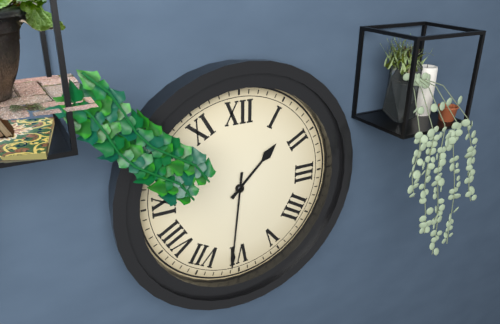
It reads 1 h 31 min
